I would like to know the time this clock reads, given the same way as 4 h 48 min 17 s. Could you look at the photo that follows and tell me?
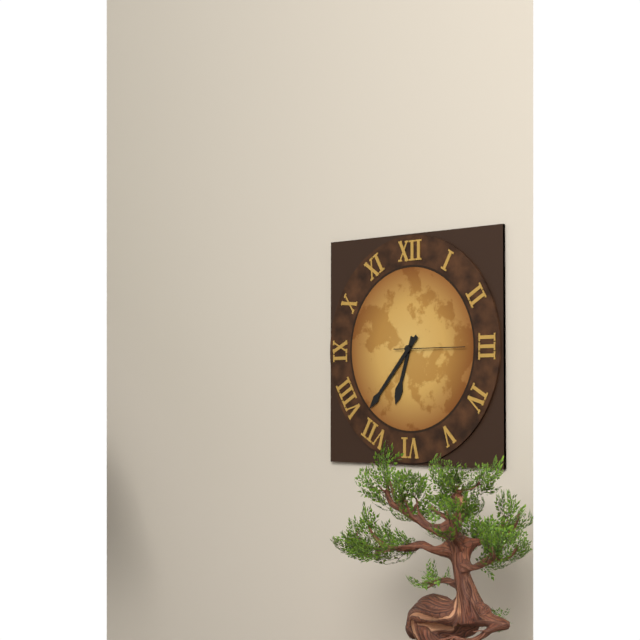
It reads 6 h 37 min 15 s
